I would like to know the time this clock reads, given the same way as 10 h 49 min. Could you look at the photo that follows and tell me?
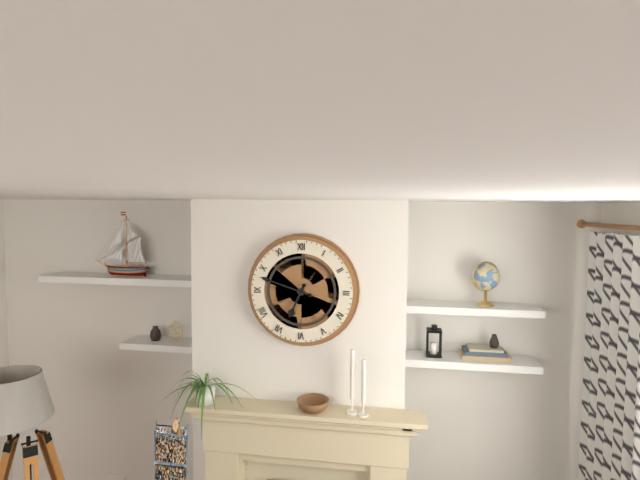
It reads 6 h 48 min
